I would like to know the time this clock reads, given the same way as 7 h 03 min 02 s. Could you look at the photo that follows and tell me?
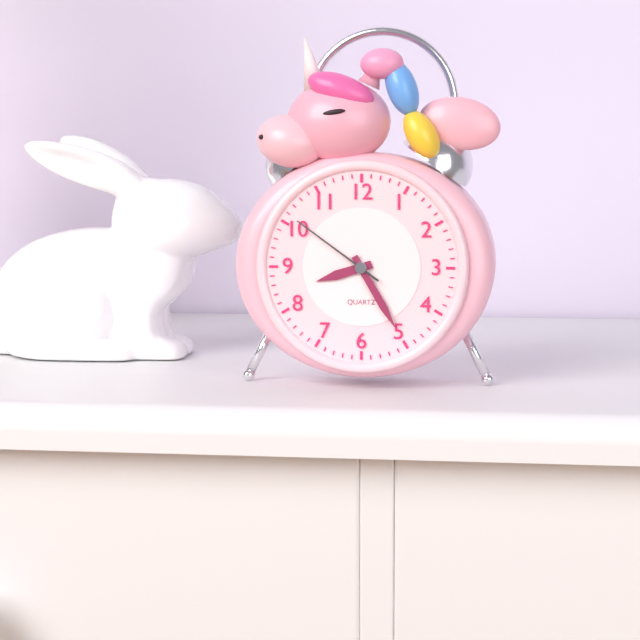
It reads 8 h 25 min 51 s
